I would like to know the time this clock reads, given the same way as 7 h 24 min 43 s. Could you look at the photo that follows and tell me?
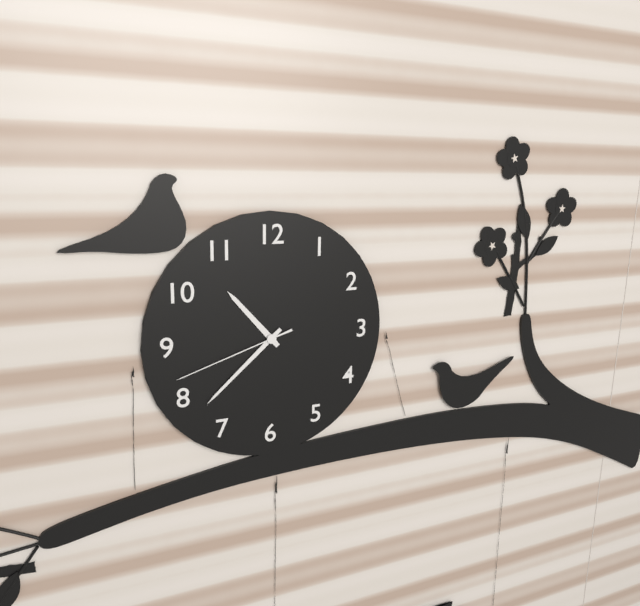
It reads 10 h 38 min 42 s
